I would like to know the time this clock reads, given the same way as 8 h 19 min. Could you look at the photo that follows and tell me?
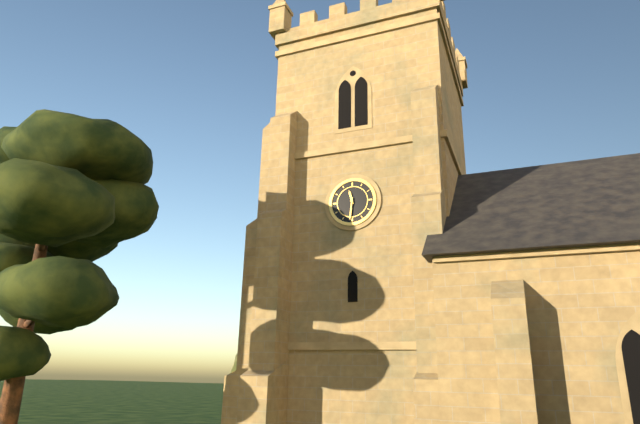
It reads 11 h 31 min
